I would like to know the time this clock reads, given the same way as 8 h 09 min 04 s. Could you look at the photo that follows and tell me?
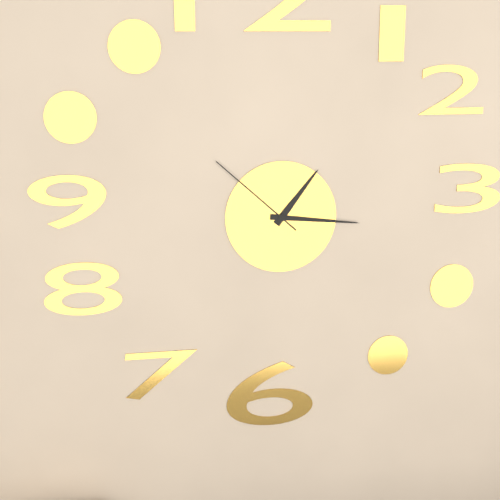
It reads 1 h 16 min 52 s
